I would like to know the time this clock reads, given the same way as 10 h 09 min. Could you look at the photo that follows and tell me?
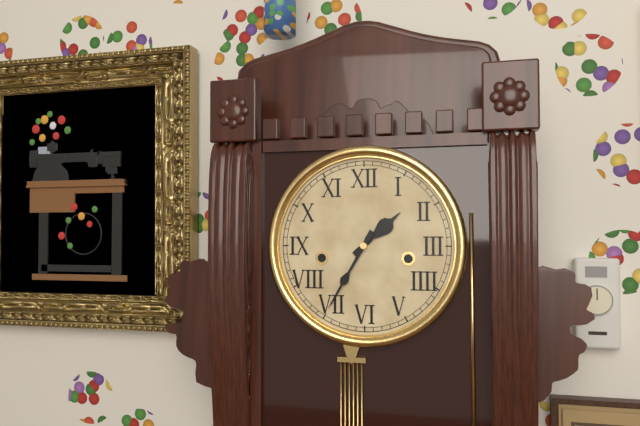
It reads 1 h 35 min
